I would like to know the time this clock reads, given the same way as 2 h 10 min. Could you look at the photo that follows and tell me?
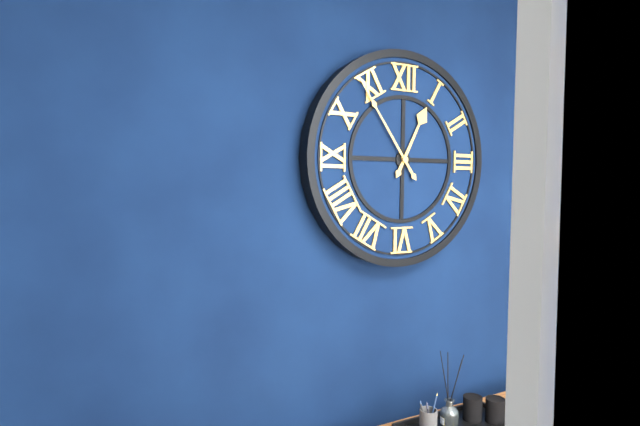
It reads 12 h 54 min
